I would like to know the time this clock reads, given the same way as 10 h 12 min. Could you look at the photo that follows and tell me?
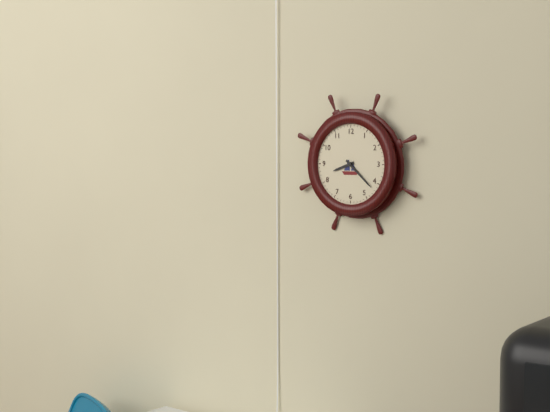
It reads 8 h 22 min
